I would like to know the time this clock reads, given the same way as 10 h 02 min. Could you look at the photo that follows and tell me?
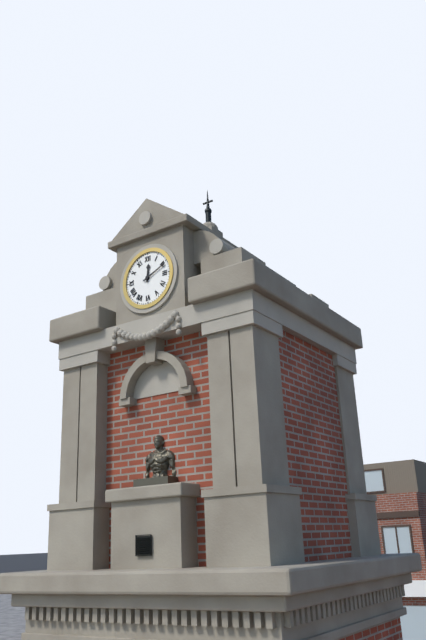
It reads 12 h 11 min
